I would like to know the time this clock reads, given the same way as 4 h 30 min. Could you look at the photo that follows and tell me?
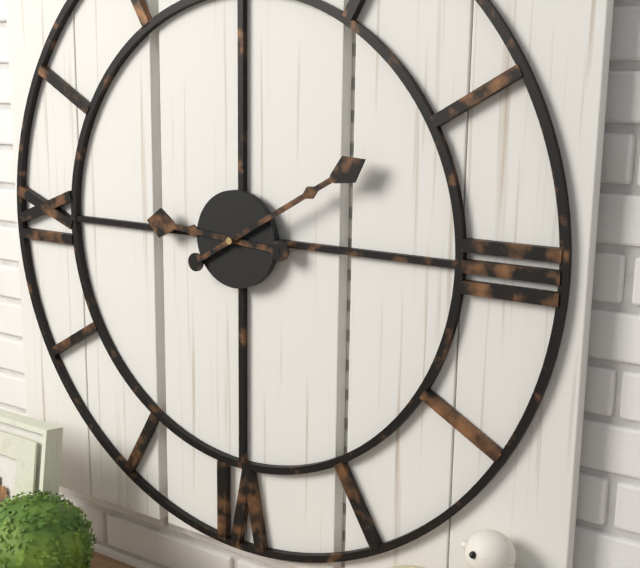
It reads 9 h 10 min
